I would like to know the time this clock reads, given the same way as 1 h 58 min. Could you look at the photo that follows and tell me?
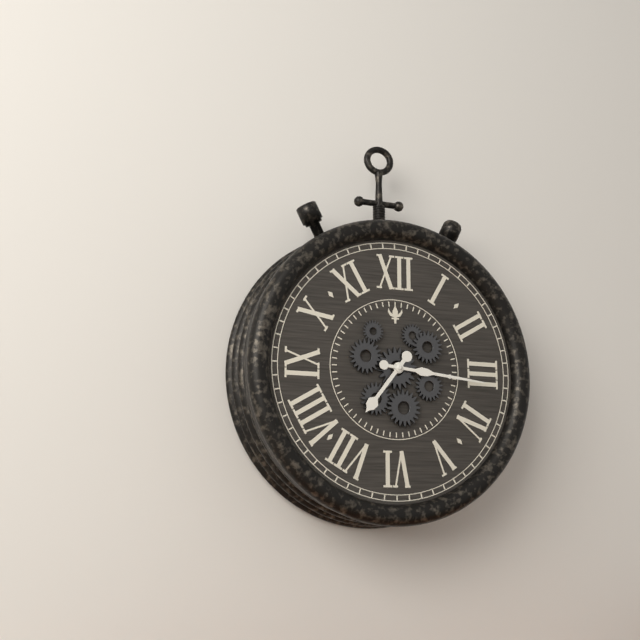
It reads 7 h 16 min
